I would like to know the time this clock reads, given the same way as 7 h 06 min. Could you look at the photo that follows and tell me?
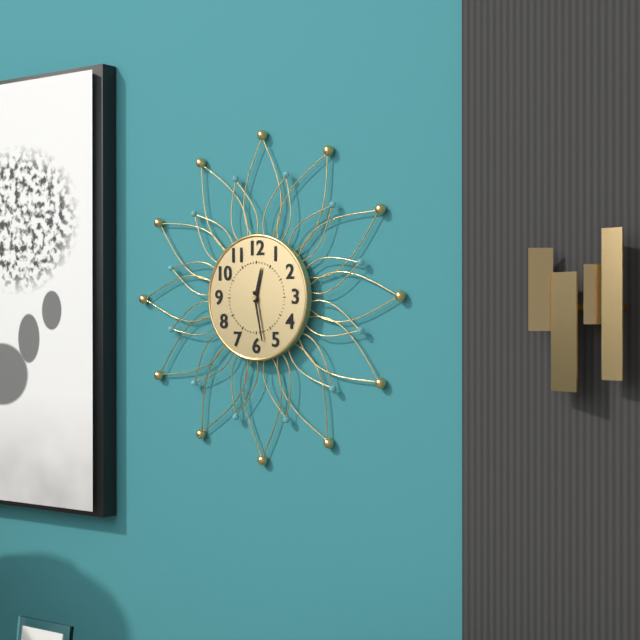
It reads 12 h 28 min
